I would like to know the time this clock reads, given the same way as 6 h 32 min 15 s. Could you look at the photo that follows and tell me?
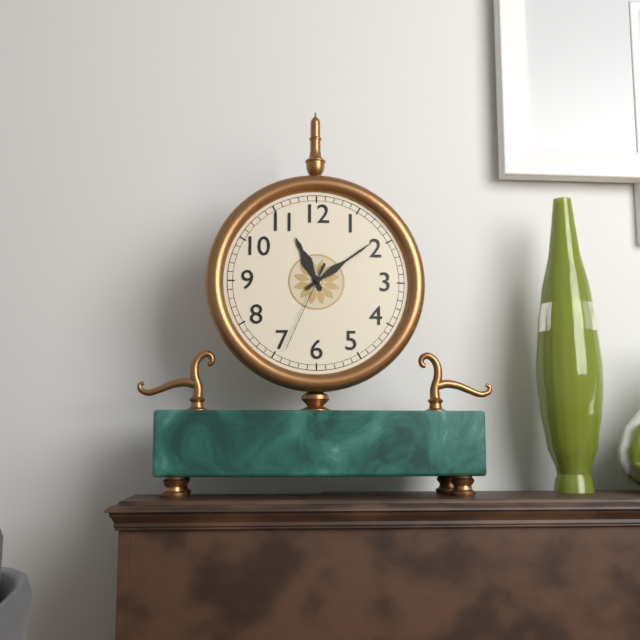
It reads 11 h 09 min 34 s
